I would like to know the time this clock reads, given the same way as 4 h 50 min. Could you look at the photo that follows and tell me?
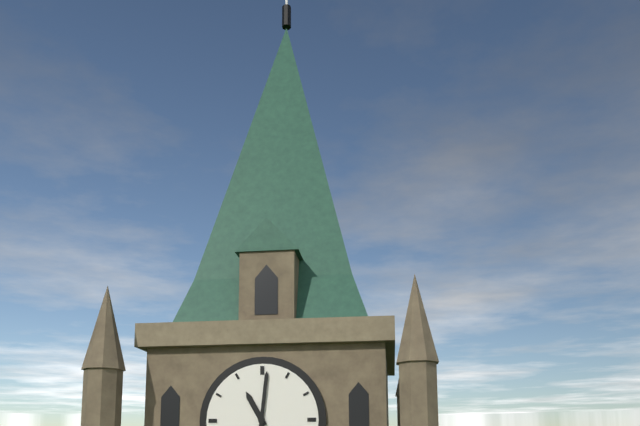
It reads 11 h 01 min
